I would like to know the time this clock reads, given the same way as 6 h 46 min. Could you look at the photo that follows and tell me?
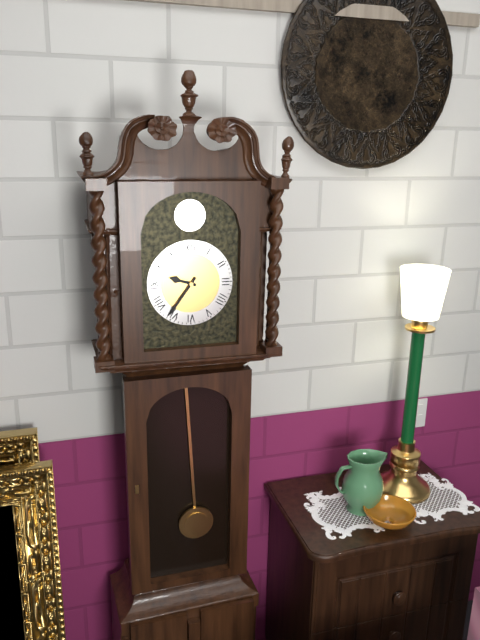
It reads 9 h 36 min
